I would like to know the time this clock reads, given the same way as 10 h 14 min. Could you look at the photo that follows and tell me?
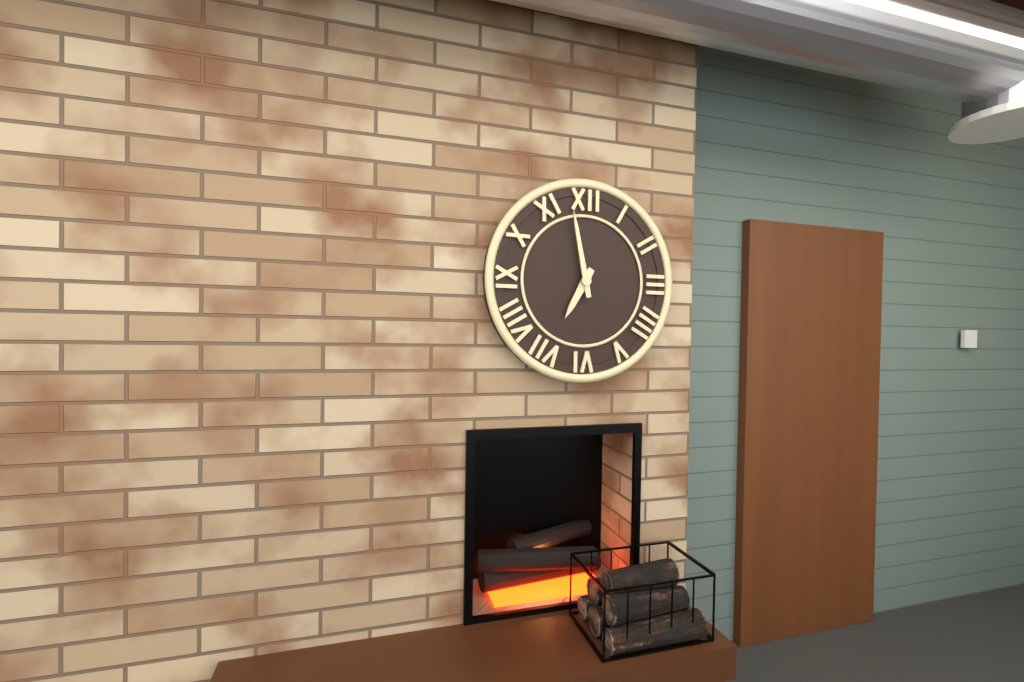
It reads 6 h 58 min
